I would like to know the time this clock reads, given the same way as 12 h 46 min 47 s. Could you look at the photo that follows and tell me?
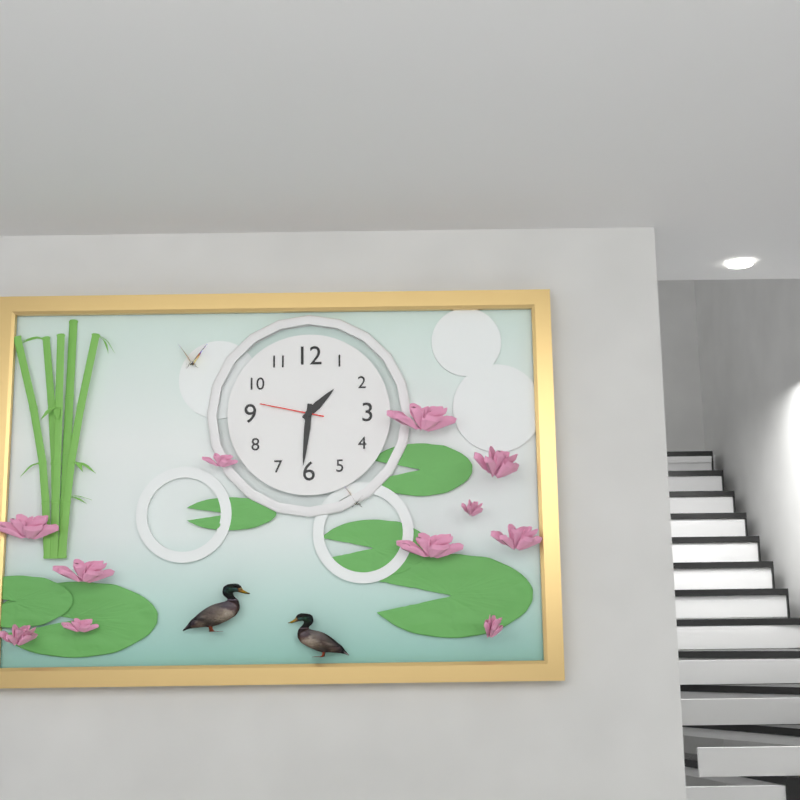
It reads 1 h 31 min 47 s
